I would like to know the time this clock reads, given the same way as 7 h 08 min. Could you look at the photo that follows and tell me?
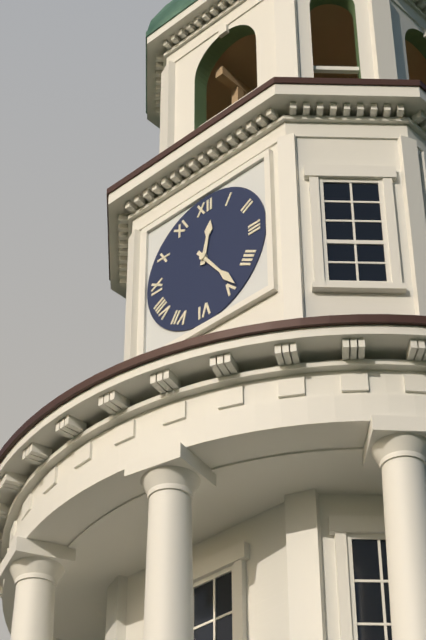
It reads 12 h 24 min
